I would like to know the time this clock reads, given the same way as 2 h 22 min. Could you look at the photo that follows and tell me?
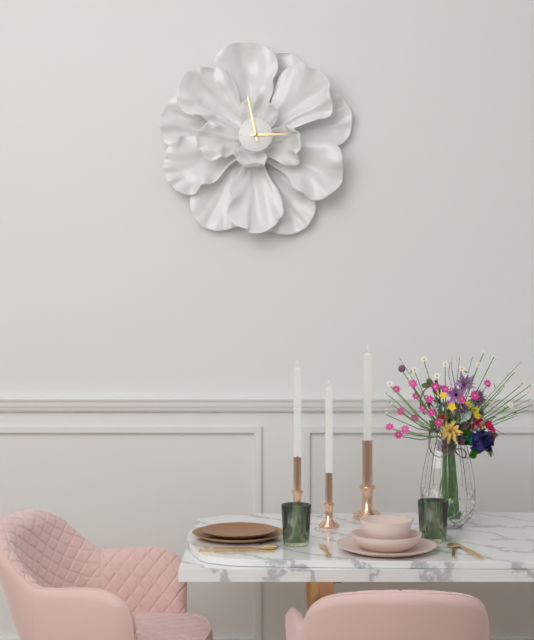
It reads 2 h 58 min
